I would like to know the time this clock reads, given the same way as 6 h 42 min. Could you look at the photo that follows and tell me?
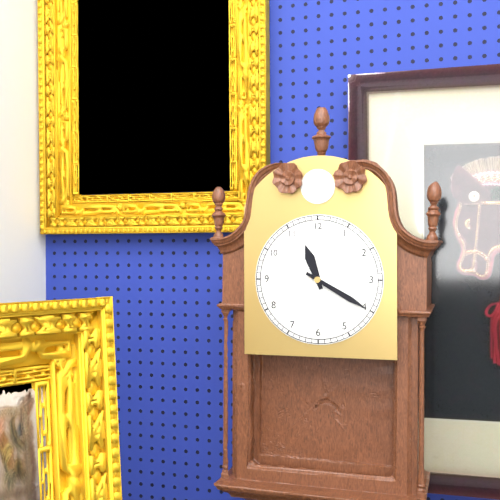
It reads 11 h 20 min
